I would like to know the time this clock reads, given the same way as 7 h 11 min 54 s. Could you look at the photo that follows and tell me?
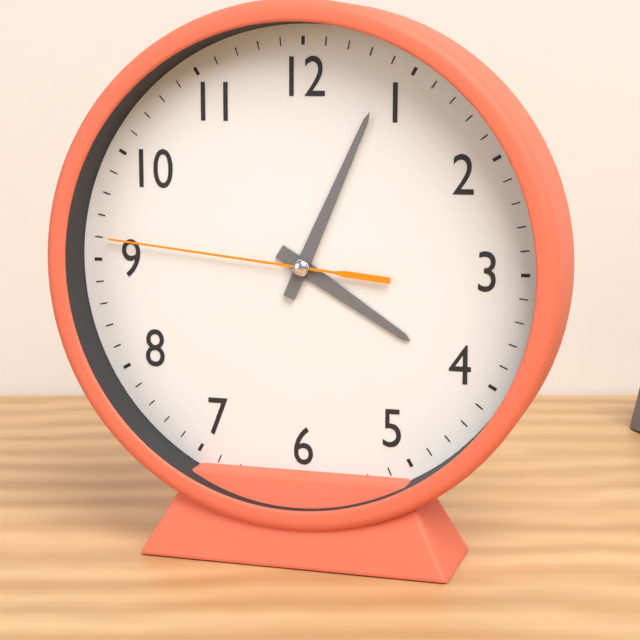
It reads 4 h 04 min 46 s
